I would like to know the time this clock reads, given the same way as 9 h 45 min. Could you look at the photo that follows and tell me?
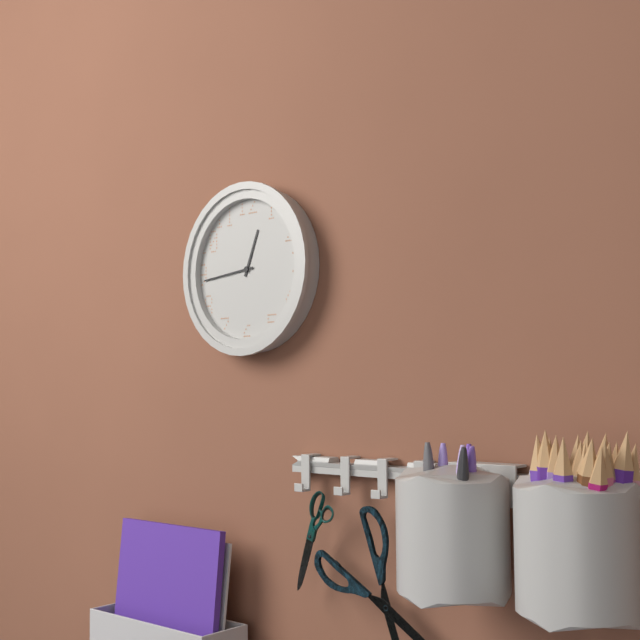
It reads 12 h 44 min
